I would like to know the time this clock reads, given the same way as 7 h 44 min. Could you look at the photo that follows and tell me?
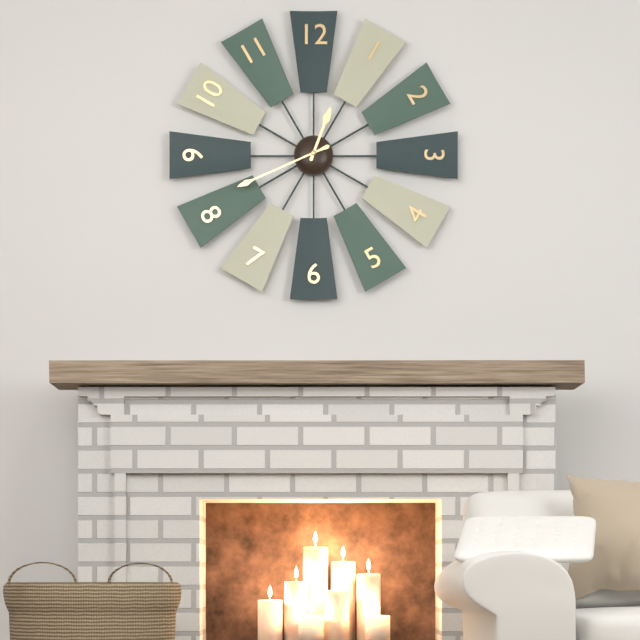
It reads 12 h 41 min
